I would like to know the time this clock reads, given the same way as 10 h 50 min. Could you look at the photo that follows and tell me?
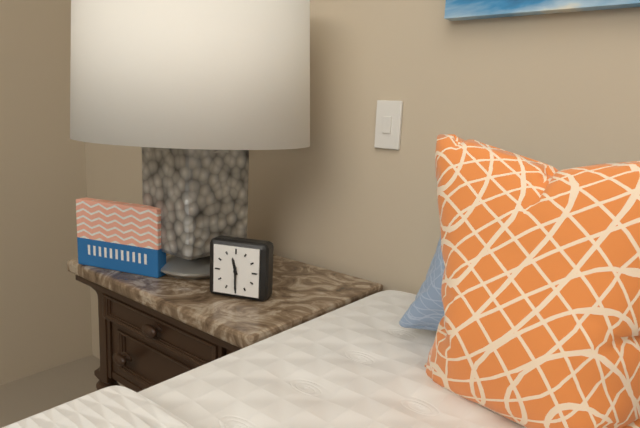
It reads 11 h 30 min
